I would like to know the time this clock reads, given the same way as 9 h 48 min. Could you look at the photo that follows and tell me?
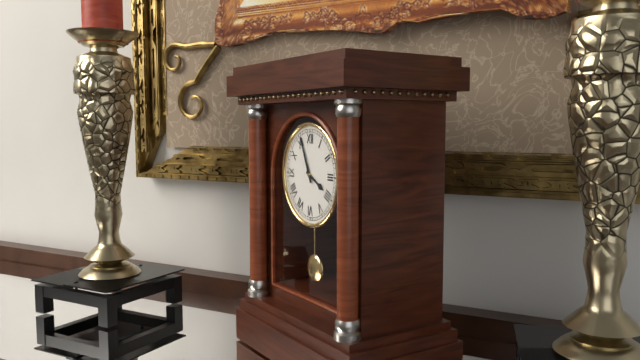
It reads 3 h 56 min
